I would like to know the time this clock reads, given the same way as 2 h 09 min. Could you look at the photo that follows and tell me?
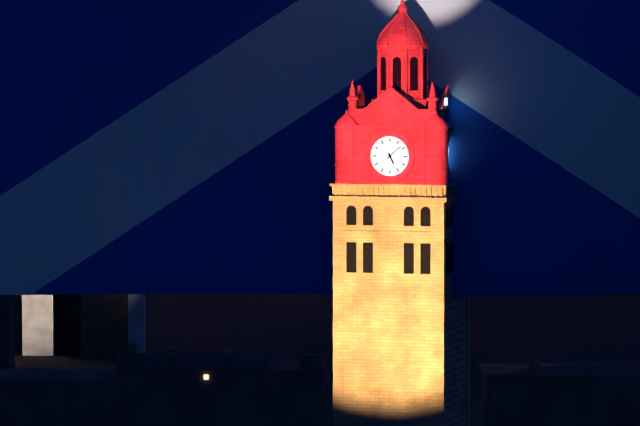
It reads 5 h 08 min
